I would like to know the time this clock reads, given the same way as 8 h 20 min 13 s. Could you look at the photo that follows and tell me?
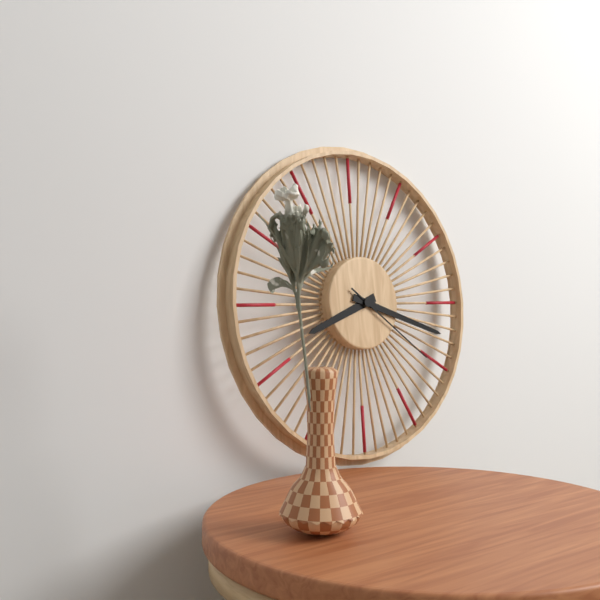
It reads 8 h 18 min 21 s
